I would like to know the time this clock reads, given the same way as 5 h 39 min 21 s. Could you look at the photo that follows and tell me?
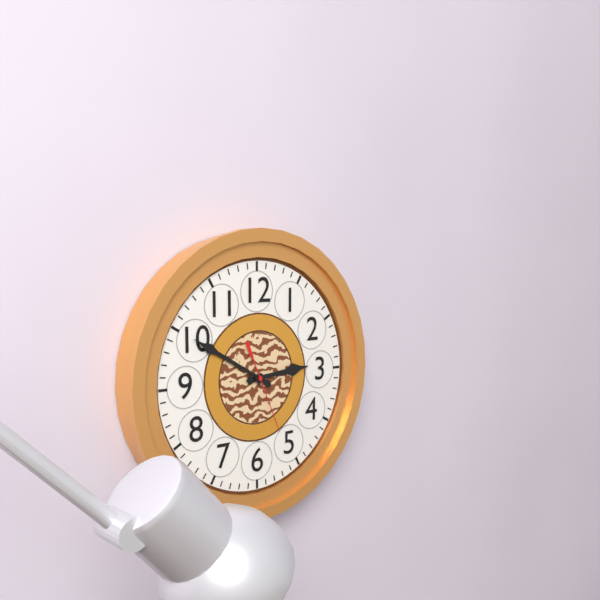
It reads 2 h 50 min 26 s
